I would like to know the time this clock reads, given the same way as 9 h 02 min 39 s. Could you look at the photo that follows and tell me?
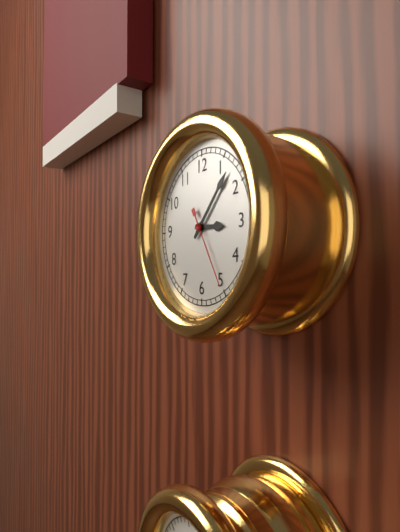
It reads 3 h 07 min 25 s
